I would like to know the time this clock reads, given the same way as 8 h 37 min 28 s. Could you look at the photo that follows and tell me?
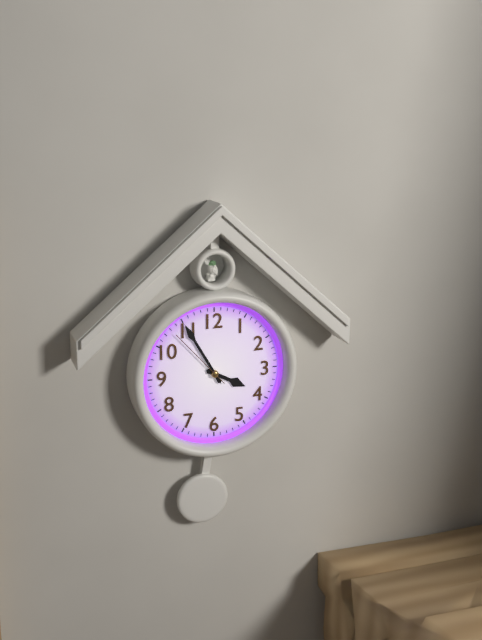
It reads 3 h 55 min 53 s
